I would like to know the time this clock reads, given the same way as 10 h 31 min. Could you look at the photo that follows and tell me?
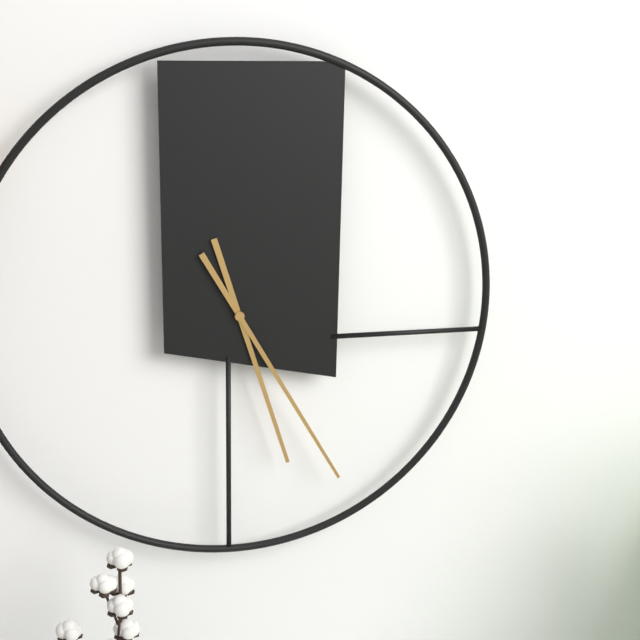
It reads 5 h 25 min
